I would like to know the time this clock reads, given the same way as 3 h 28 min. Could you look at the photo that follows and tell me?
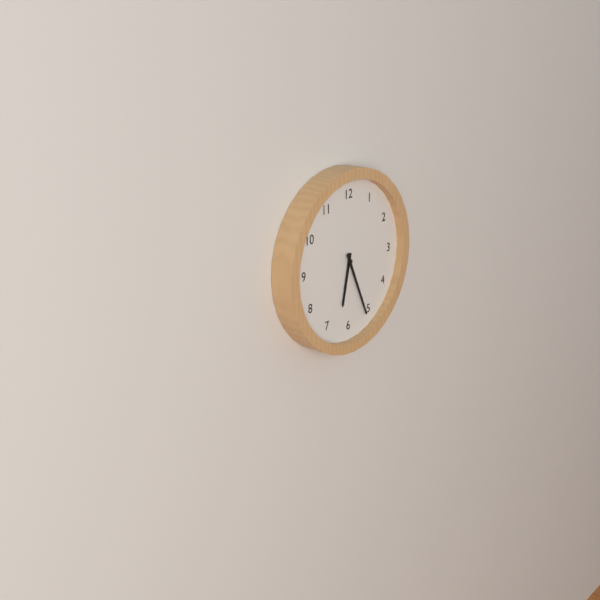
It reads 6 h 26 min
